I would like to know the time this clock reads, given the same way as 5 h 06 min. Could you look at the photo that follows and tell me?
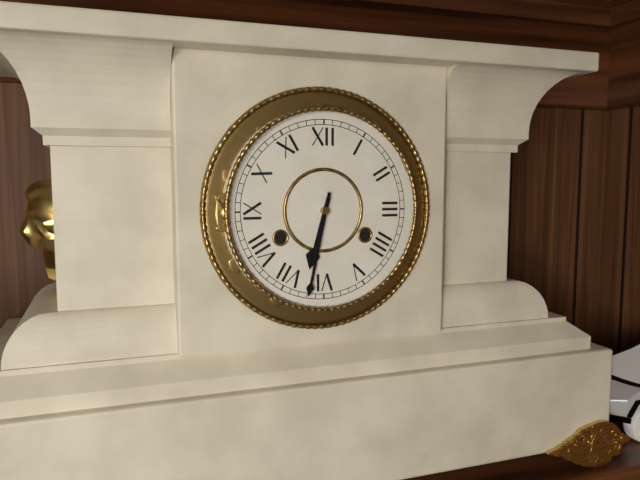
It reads 6 h 32 min
